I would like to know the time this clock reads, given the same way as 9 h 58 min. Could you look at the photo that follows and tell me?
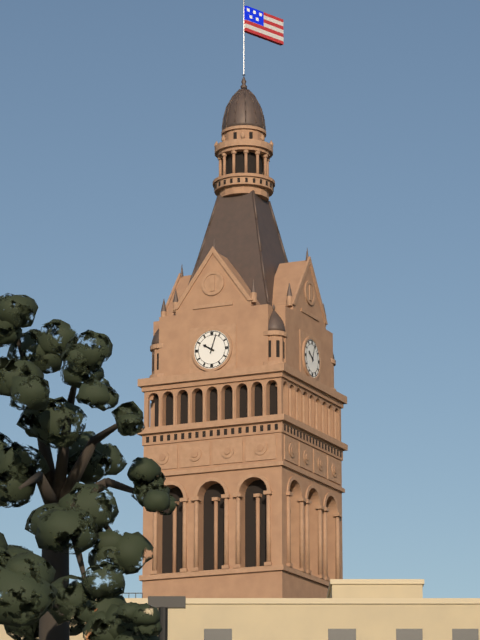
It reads 10 h 03 min
